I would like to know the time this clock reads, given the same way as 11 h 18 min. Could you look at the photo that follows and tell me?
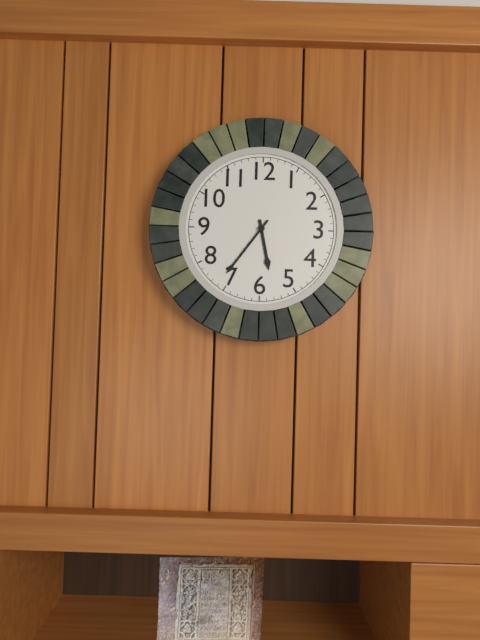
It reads 5 h 36 min
